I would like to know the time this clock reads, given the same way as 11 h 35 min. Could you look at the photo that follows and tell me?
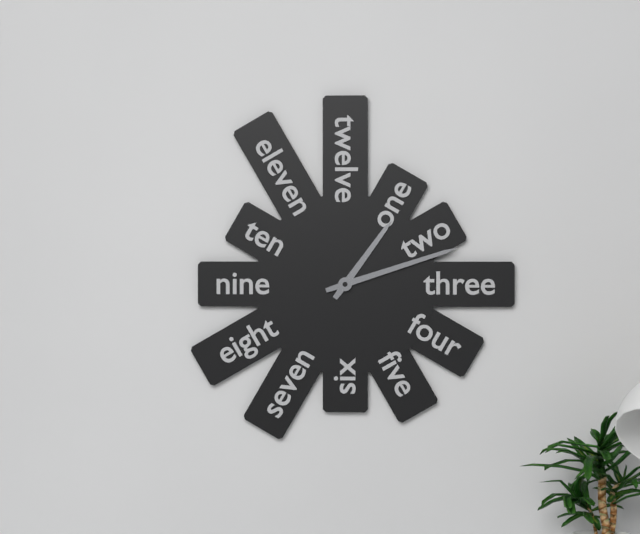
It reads 1 h 12 min
